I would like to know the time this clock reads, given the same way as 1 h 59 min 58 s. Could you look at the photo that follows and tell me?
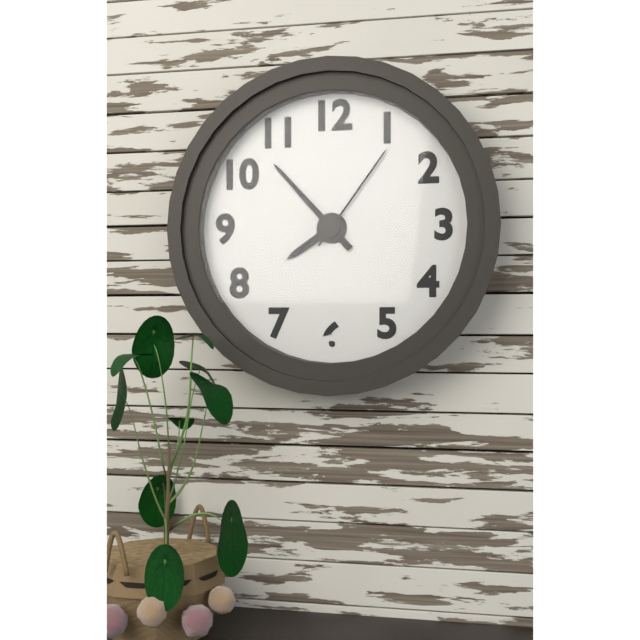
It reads 7 h 53 min 06 s
